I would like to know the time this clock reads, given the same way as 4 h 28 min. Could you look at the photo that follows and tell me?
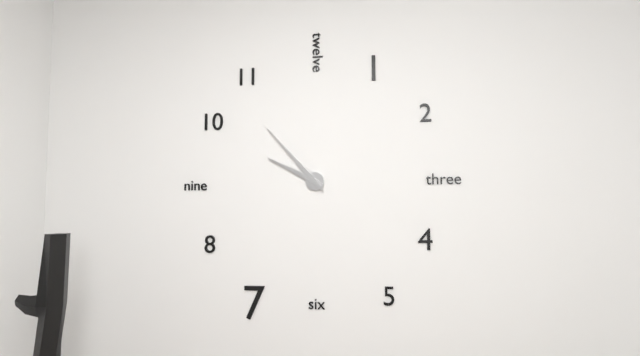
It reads 9 h 53 min
